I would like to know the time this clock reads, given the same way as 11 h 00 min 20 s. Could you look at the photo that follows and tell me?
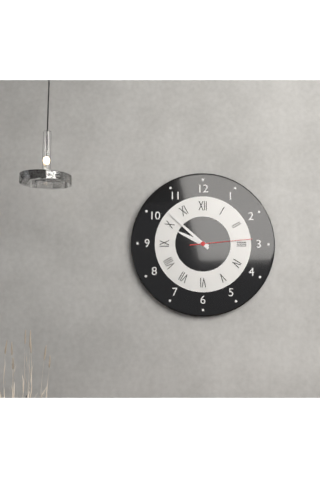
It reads 9 h 52 min 14 s
